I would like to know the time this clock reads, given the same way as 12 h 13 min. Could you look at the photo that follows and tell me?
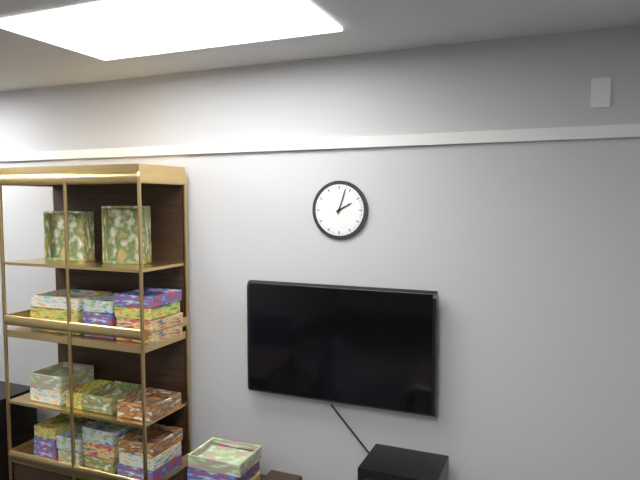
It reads 2 h 03 min
